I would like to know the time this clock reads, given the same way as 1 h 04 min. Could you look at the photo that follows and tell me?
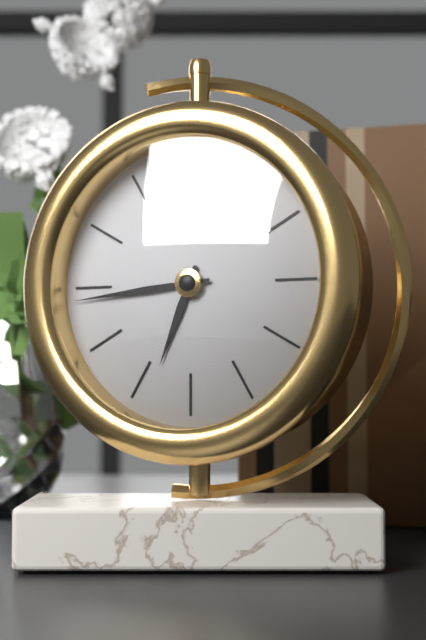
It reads 6 h 44 min
